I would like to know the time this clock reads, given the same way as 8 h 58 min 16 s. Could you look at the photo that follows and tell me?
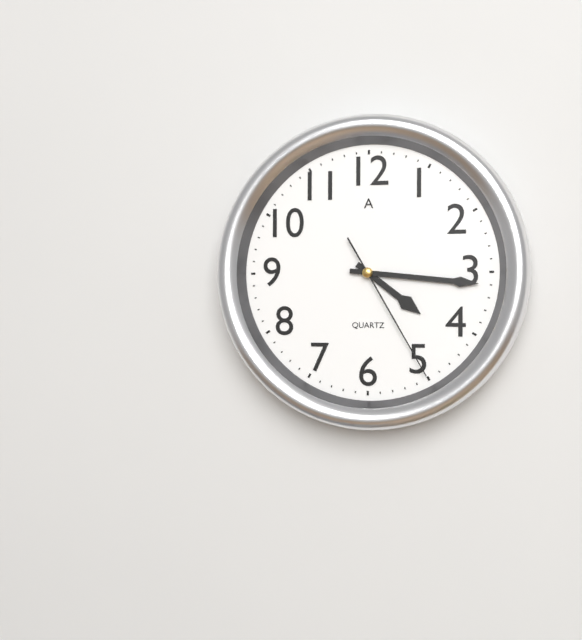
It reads 4 h 16 min 25 s
